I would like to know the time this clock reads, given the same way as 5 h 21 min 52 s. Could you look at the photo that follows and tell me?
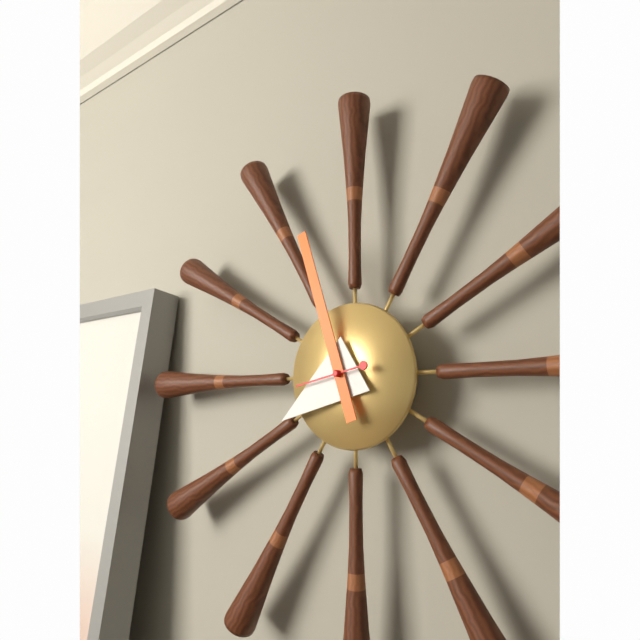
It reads 7 h 57 min 43 s
